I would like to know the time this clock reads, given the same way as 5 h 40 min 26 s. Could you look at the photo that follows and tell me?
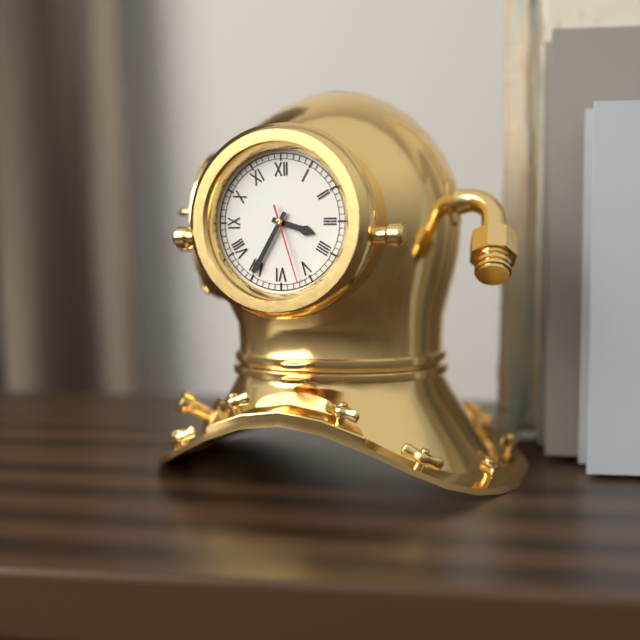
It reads 3 h 35 min 27 s
